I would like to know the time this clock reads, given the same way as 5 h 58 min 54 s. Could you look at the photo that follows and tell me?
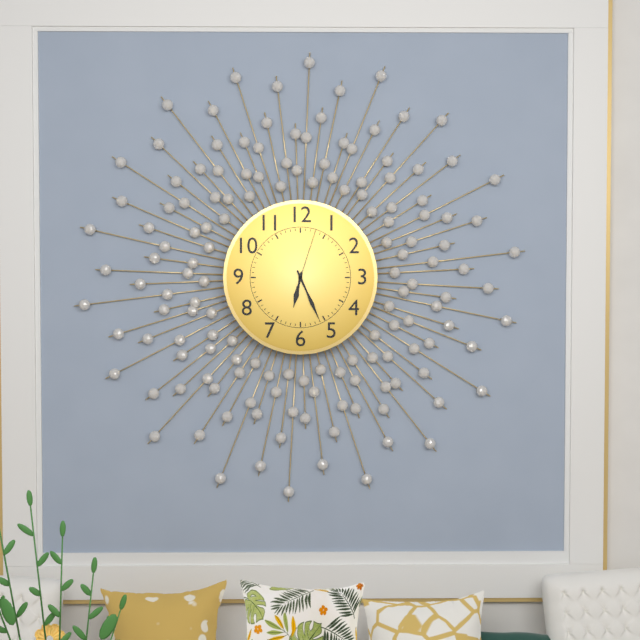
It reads 6 h 26 min 03 s
